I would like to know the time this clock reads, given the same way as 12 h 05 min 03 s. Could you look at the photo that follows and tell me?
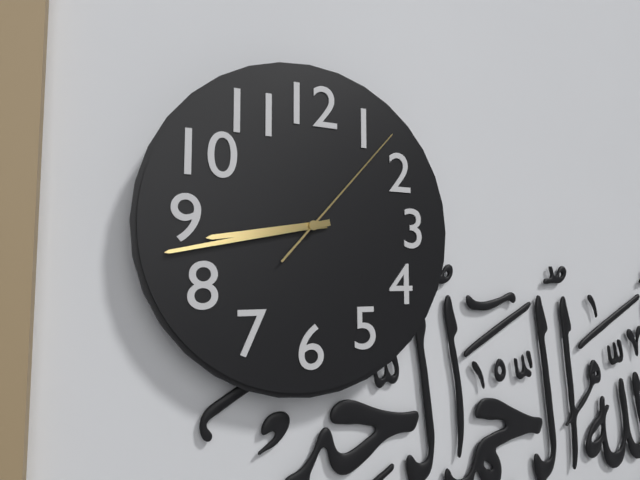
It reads 8 h 43 min 07 s
